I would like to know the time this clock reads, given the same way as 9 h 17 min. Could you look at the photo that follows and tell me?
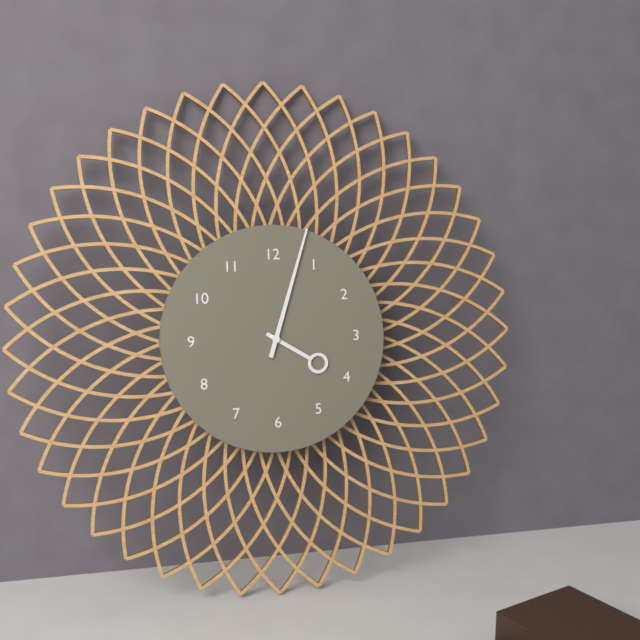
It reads 4 h 03 min
